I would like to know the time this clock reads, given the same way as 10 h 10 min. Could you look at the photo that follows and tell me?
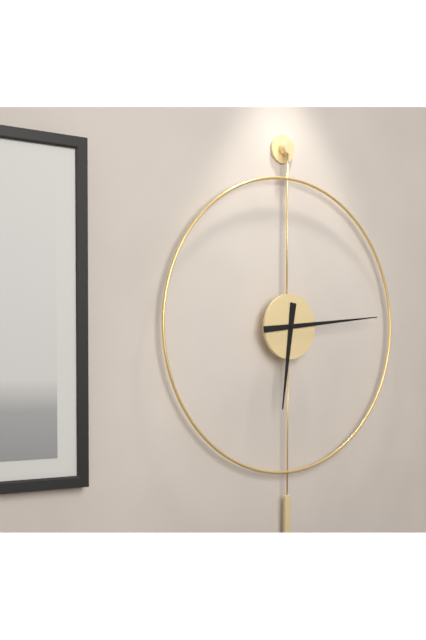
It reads 6 h 14 min
